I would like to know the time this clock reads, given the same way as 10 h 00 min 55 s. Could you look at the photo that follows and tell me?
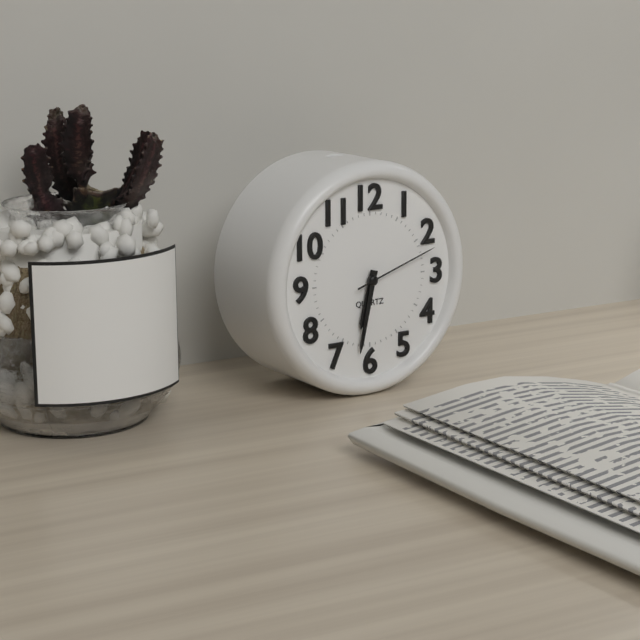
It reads 6 h 32 min 12 s
